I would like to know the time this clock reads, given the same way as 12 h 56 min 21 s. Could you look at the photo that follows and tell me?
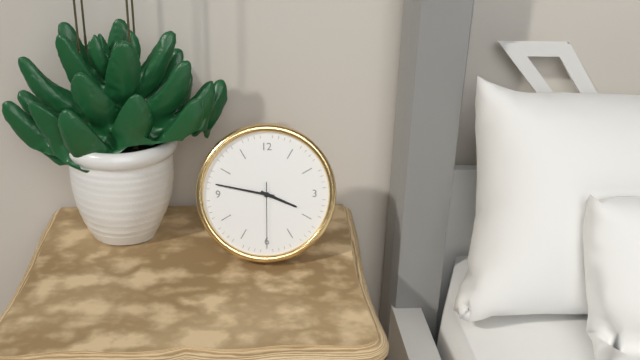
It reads 3 h 47 min 30 s
